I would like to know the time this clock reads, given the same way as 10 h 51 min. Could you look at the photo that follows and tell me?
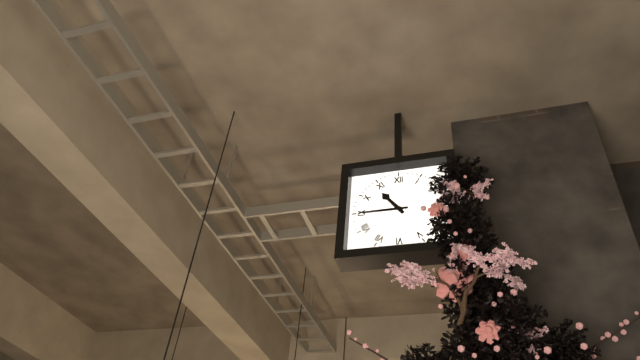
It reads 10 h 45 min
